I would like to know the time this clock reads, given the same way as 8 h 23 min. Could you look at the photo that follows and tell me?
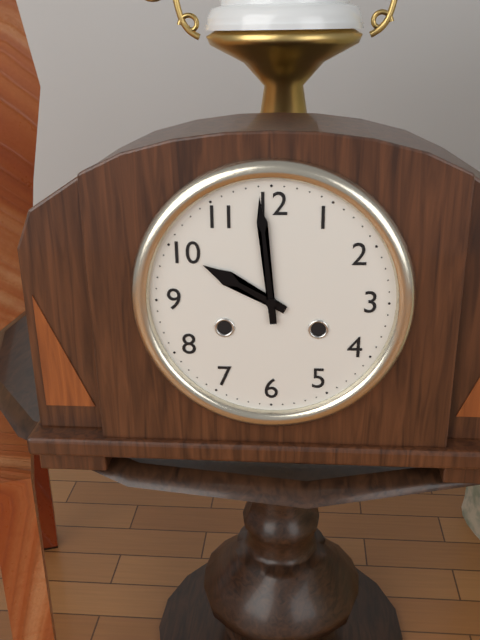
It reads 9 h 59 min
